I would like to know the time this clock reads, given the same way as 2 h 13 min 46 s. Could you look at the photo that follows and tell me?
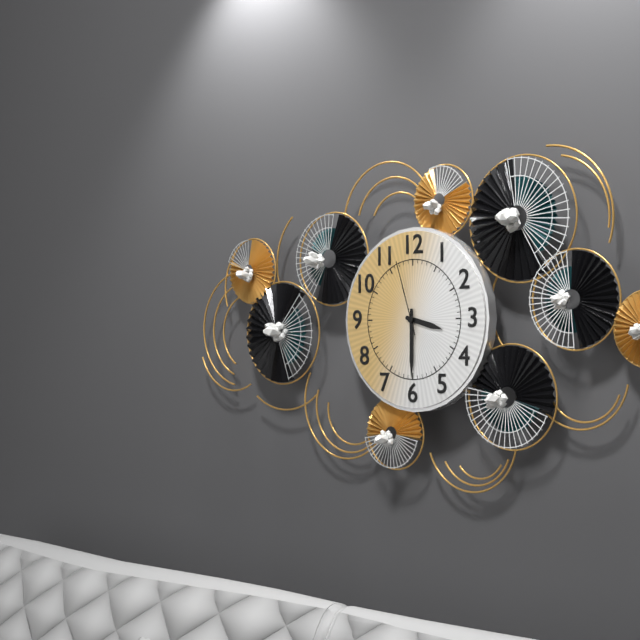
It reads 3 h 30 min 57 s
